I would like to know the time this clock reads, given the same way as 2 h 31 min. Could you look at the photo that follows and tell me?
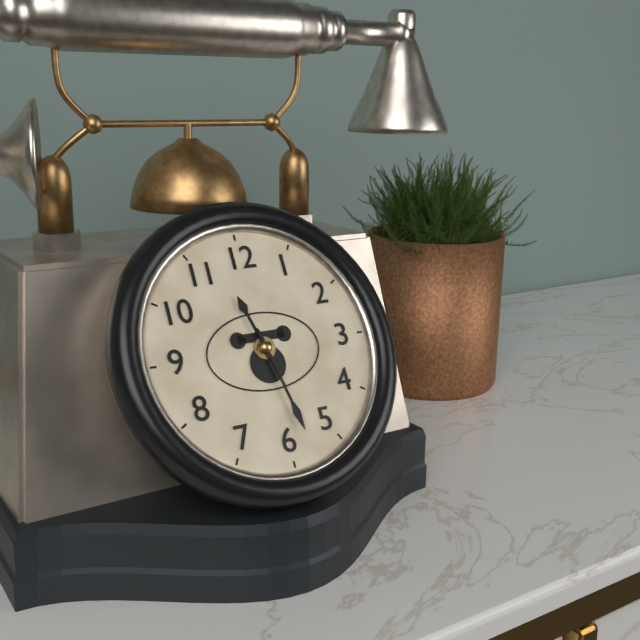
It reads 11 h 28 min
